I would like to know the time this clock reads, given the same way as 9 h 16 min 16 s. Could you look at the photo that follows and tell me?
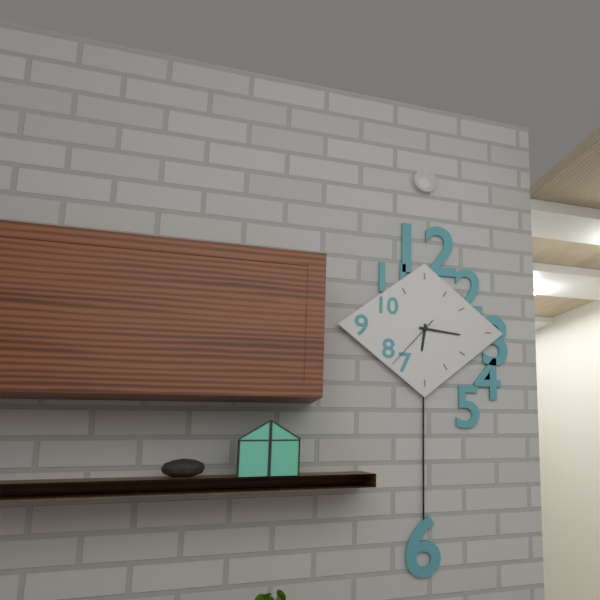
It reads 6 h 16 min 37 s
